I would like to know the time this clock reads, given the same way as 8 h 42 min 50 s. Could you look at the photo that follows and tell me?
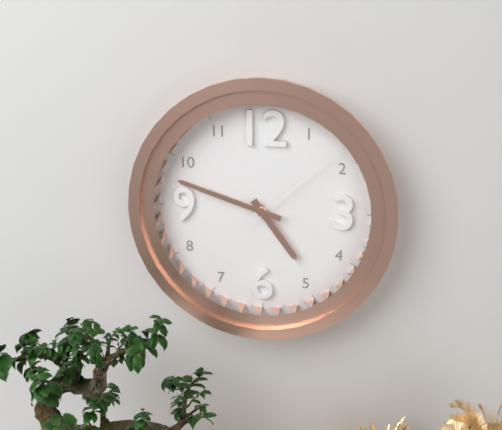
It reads 4 h 48 min 08 s
